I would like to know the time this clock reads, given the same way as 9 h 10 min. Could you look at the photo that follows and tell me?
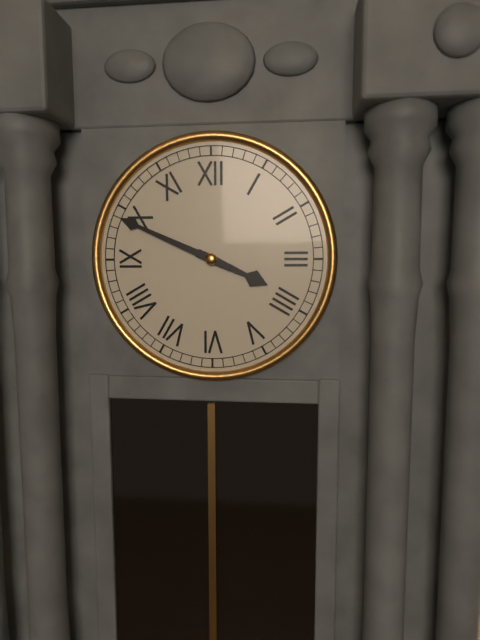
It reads 3 h 49 min
